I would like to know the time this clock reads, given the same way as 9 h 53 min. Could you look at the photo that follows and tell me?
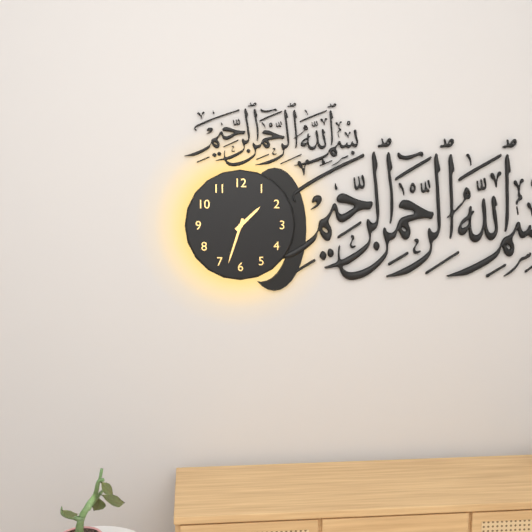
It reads 1 h 33 min
